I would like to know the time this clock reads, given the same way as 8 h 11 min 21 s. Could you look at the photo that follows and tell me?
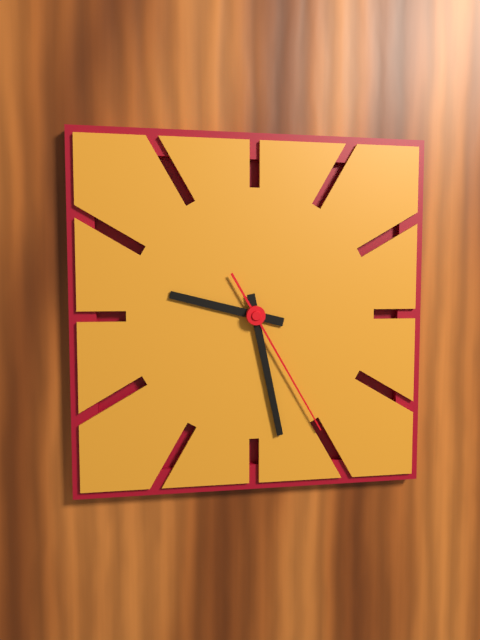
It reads 9 h 28 min 25 s
